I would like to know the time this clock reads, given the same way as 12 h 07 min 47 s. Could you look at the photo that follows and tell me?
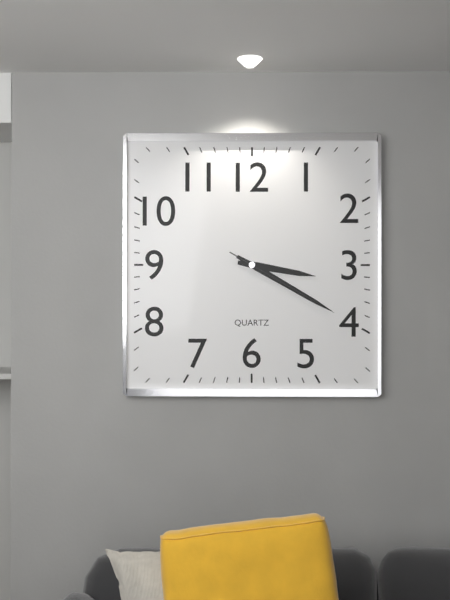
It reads 3 h 20 min 20 s
